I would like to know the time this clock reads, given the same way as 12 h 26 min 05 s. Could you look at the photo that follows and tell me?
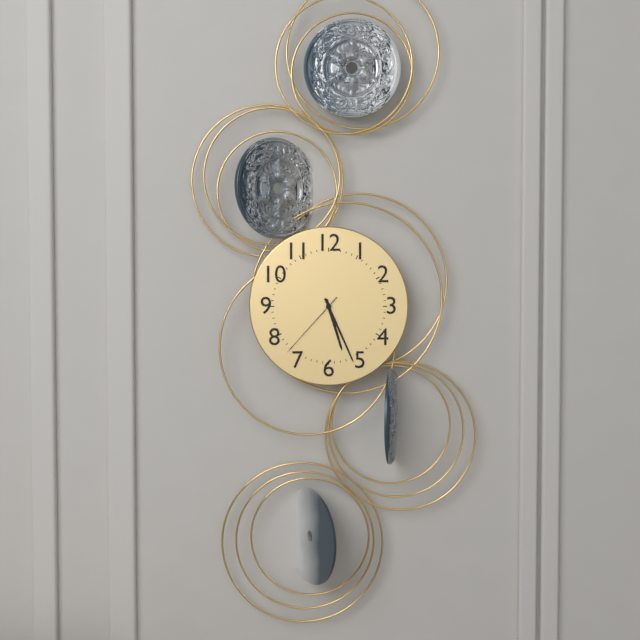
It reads 5 h 26 min 37 s
